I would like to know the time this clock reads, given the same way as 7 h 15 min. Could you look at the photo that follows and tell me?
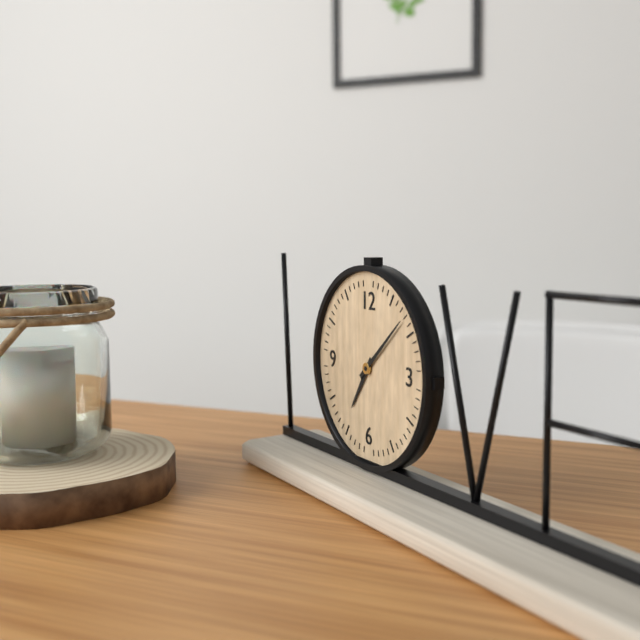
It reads 7 h 08 min
